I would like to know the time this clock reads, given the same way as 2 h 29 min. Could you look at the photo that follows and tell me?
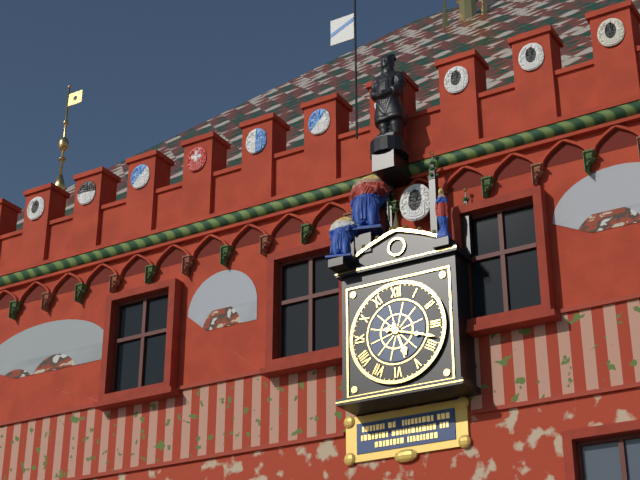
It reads 5 h 18 min
